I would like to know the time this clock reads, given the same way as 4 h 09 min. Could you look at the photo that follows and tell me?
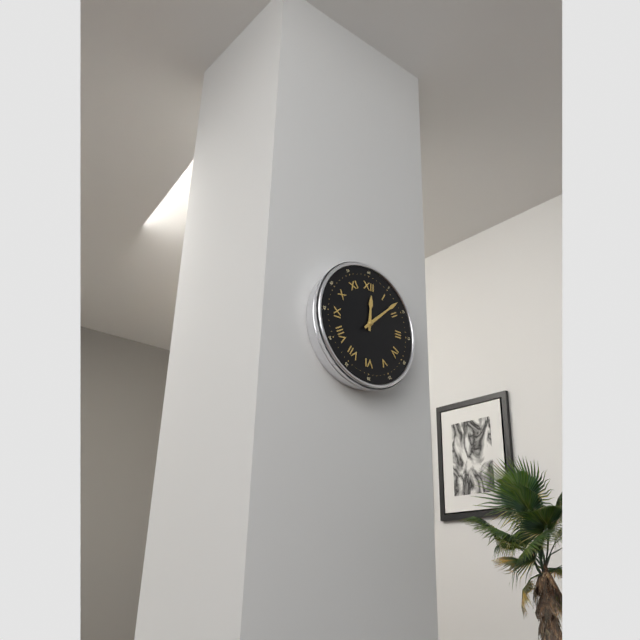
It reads 12 h 08 min
